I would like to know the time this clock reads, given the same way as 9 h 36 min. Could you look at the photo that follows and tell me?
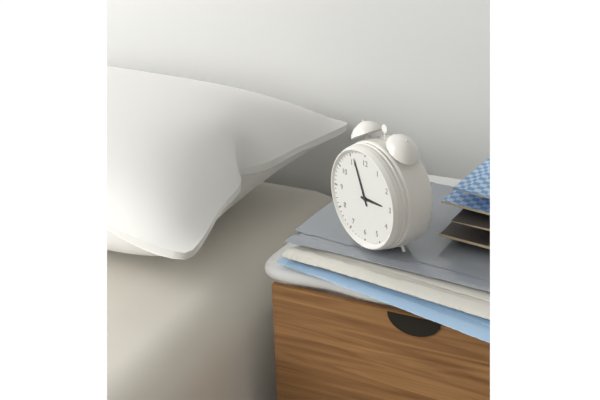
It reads 2 h 56 min
